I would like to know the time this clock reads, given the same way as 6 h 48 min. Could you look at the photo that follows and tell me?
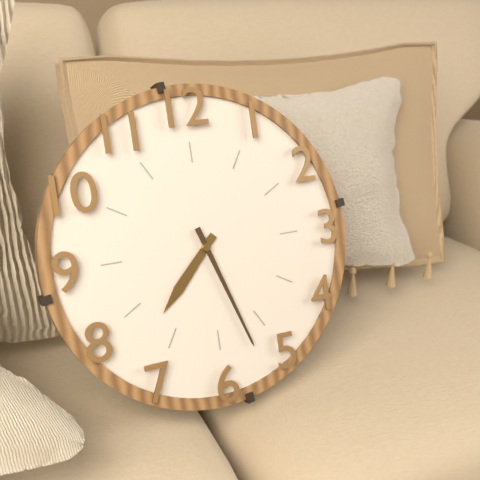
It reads 7 h 27 min
